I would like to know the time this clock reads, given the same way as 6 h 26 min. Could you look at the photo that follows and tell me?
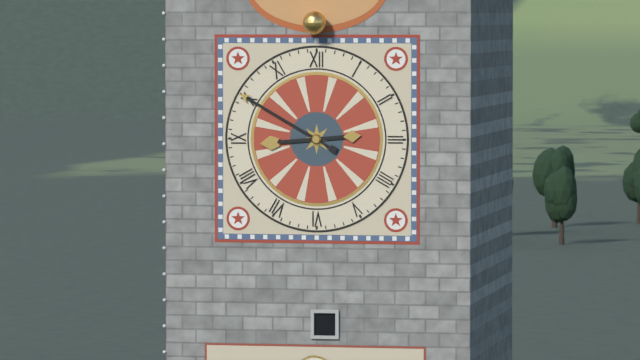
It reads 8 h 50 min
